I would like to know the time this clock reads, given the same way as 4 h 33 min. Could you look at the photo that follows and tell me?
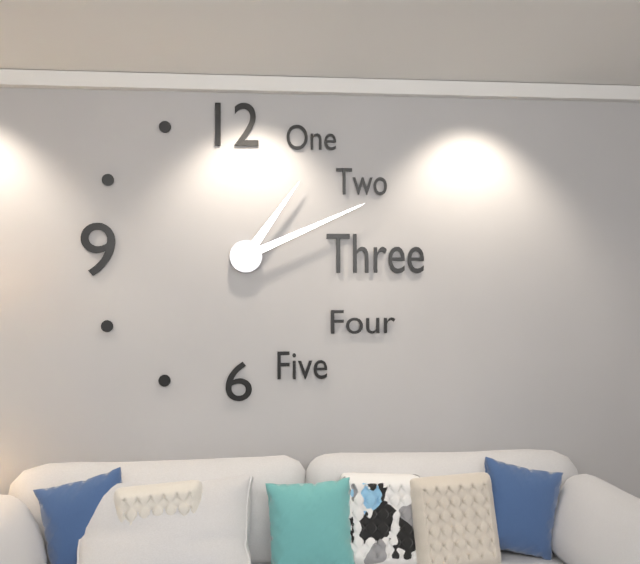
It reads 1 h 11 min
